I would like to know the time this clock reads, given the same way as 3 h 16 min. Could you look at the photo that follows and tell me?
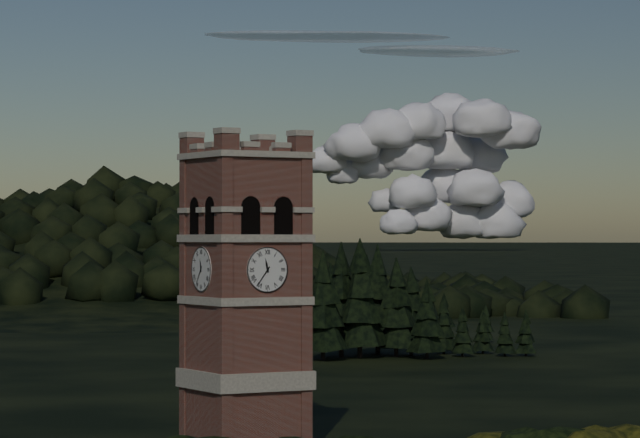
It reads 11 h 36 min
